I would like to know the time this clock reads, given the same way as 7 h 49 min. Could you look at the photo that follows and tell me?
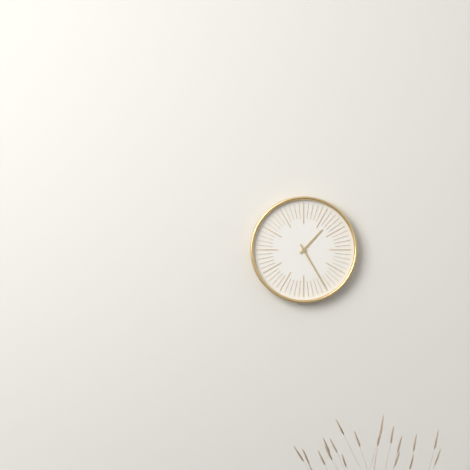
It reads 1 h 25 min
